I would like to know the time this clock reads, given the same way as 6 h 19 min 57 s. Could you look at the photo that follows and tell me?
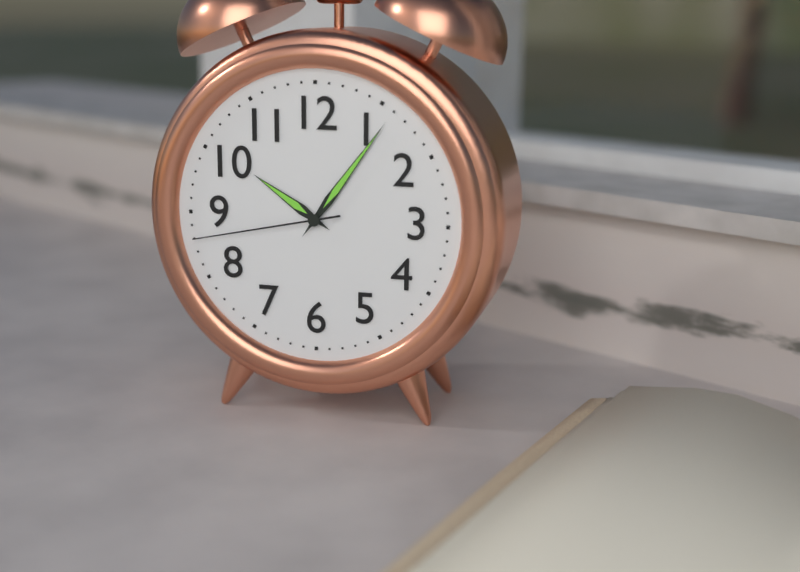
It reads 10 h 06 min 43 s
